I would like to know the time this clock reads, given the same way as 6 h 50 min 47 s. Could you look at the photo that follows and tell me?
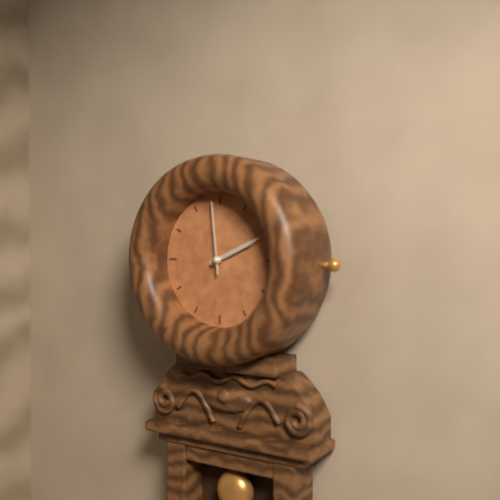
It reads 2 h 11 min 59 s
